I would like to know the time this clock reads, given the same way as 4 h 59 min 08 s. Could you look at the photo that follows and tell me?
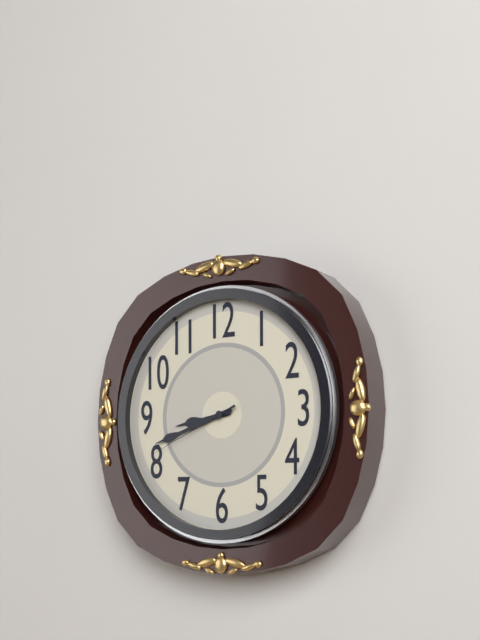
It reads 8 h 42 min 41 s
